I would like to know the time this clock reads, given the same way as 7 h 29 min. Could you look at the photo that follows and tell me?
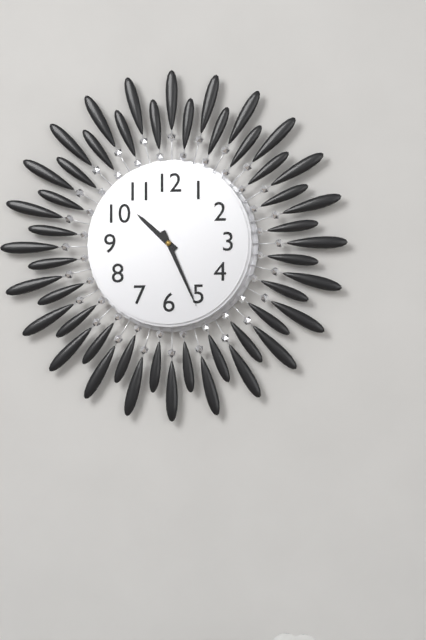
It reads 10 h 26 min
